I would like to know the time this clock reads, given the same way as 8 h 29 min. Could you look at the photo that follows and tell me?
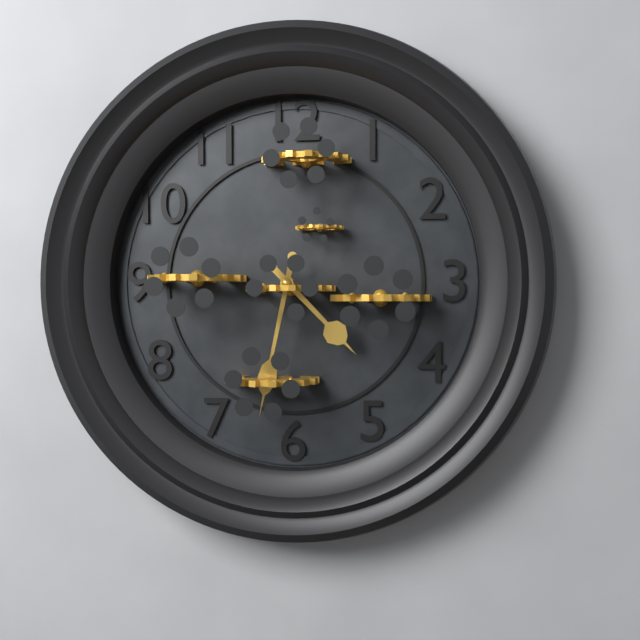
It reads 4 h 32 min
